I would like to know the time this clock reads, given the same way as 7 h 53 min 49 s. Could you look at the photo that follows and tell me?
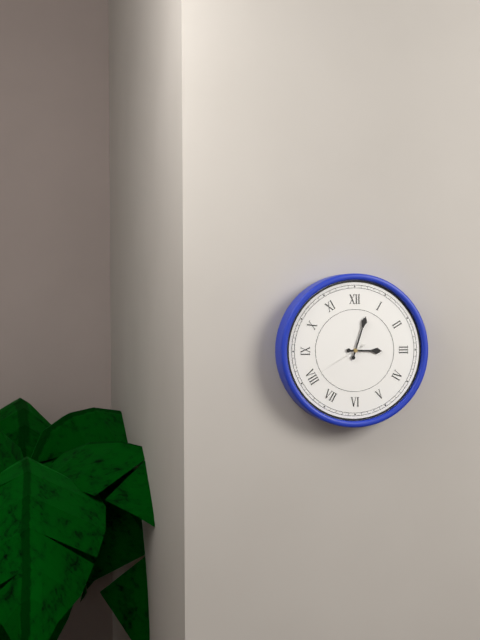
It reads 3 h 03 min 40 s
